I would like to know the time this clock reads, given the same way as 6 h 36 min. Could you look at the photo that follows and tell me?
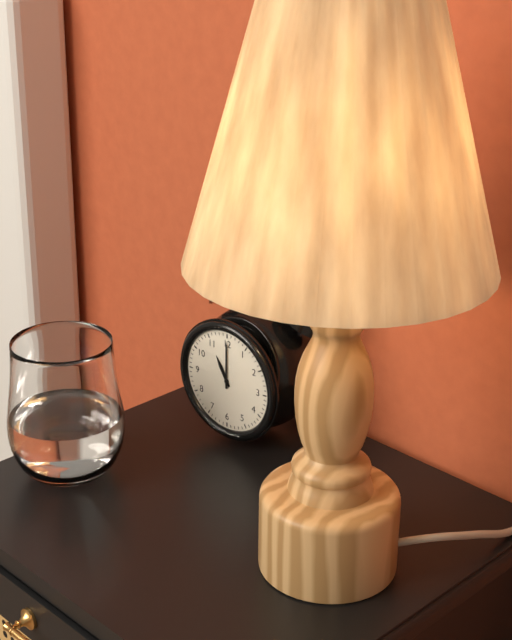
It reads 11 h 00 min
